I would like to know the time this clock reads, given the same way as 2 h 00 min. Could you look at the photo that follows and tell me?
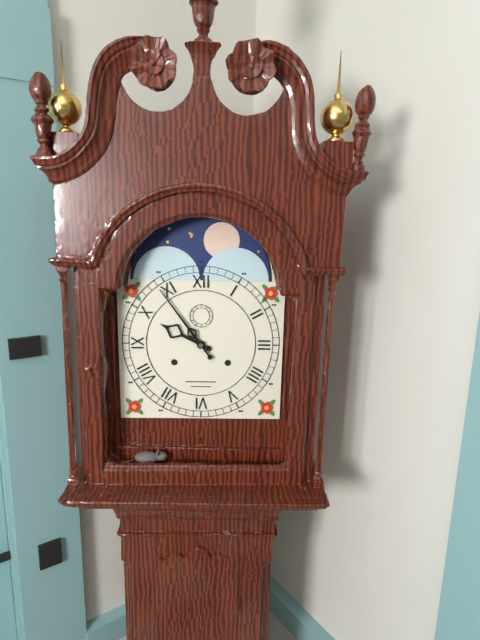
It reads 9 h 54 min
